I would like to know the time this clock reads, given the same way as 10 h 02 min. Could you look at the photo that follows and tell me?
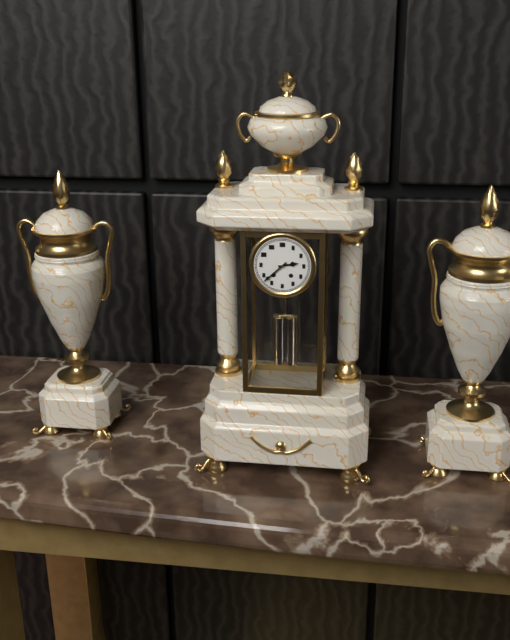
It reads 2 h 38 min
